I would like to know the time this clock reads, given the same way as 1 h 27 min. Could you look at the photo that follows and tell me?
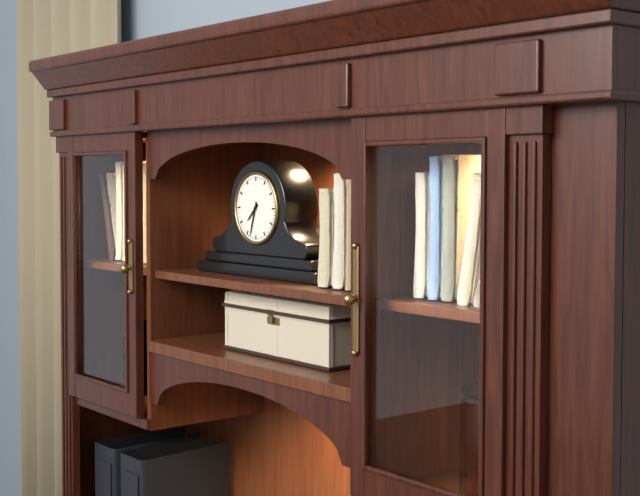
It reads 7 h 33 min
